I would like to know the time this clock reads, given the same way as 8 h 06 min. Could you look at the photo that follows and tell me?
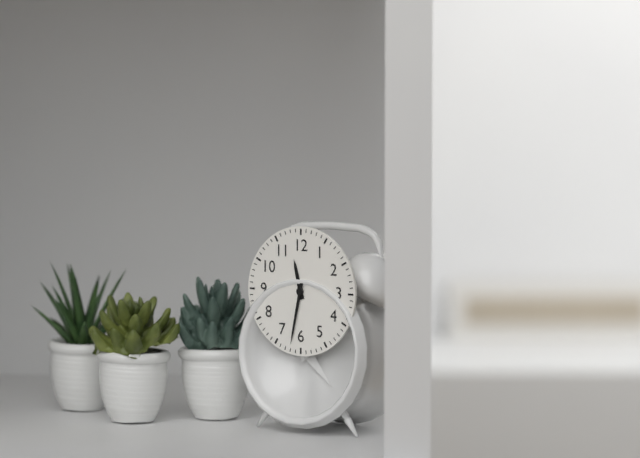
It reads 11 h 32 min
